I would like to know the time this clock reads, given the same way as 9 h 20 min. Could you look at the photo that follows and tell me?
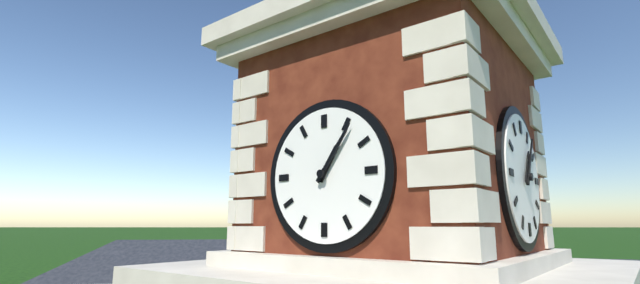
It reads 1 h 06 min
